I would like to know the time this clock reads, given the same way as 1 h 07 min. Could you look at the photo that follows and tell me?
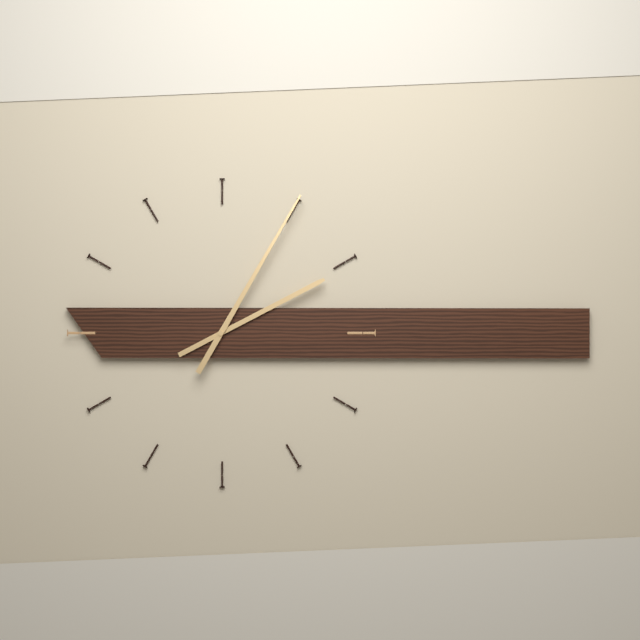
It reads 2 h 05 min
